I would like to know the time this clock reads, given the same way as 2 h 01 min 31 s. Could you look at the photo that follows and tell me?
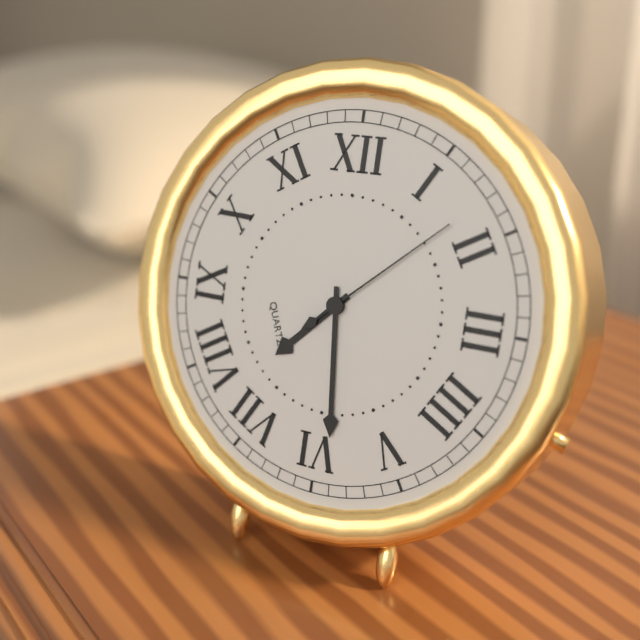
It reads 7 h 29 min 08 s
